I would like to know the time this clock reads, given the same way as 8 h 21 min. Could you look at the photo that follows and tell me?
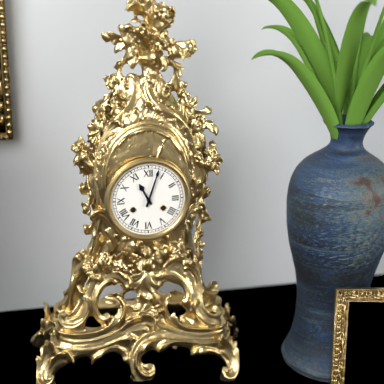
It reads 11 h 03 min
